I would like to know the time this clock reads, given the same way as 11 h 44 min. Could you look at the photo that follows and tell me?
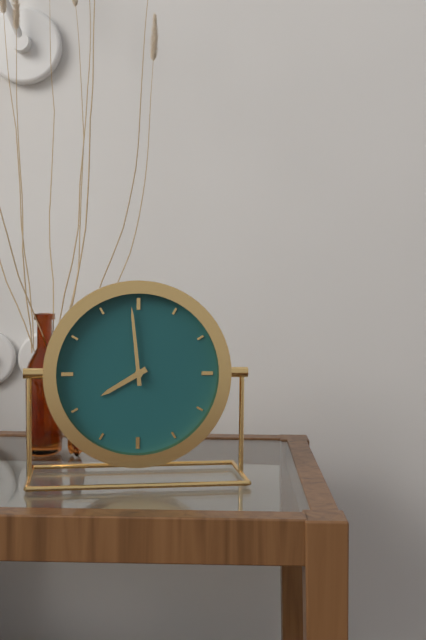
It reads 7 h 59 min
